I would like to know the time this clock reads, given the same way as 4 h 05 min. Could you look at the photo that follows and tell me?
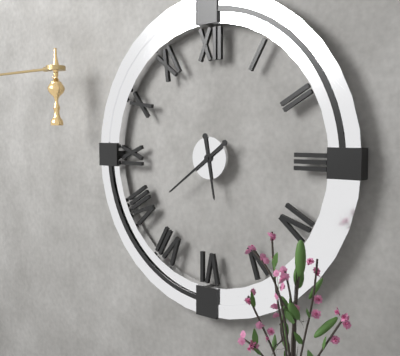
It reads 5 h 39 min
